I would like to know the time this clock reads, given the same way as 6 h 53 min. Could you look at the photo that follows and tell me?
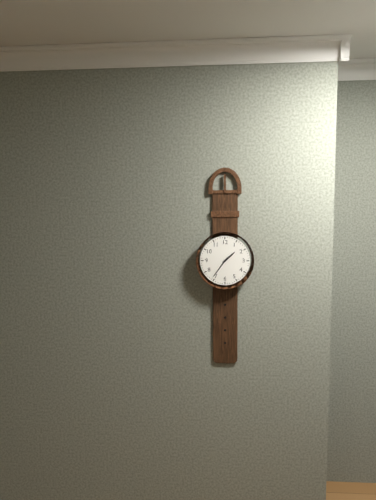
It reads 1 h 36 min
